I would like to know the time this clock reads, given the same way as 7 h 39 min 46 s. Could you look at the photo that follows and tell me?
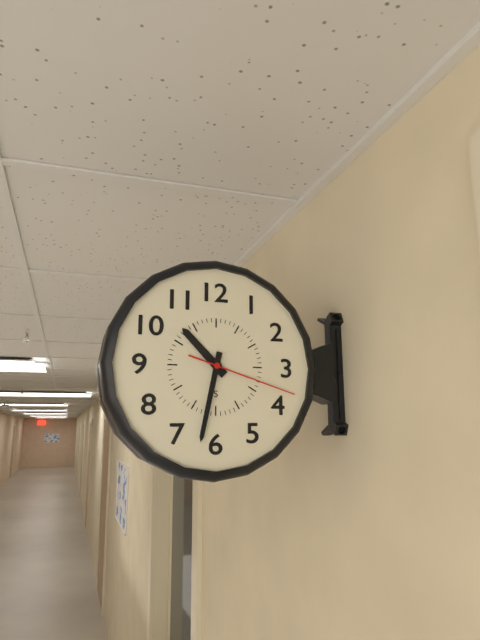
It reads 10 h 32 min 18 s
